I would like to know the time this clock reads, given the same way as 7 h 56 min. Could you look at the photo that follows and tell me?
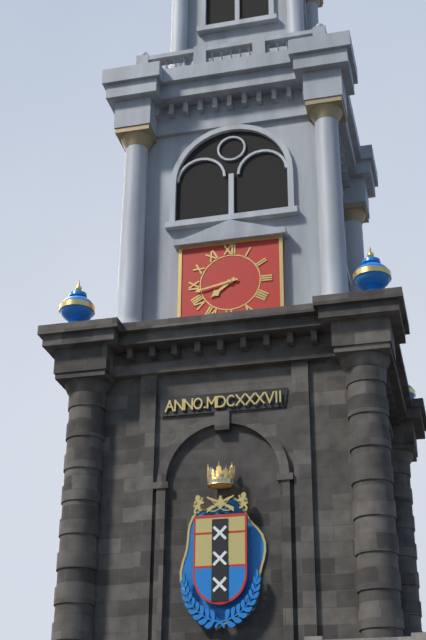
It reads 7 h 43 min
